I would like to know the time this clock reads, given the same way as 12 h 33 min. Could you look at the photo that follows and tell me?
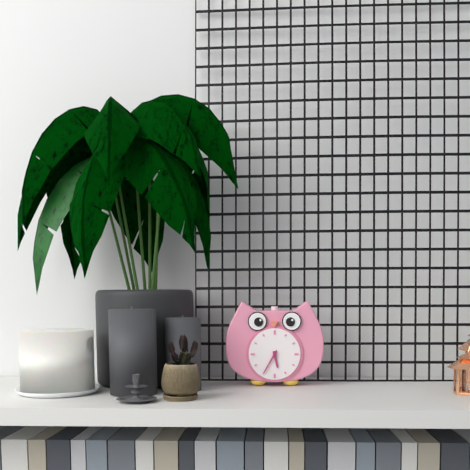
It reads 5 h 35 min
